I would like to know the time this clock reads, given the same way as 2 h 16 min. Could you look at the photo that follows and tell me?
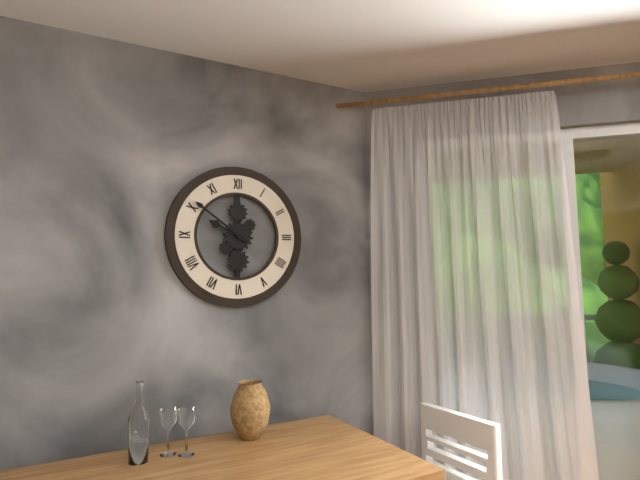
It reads 9 h 51 min
